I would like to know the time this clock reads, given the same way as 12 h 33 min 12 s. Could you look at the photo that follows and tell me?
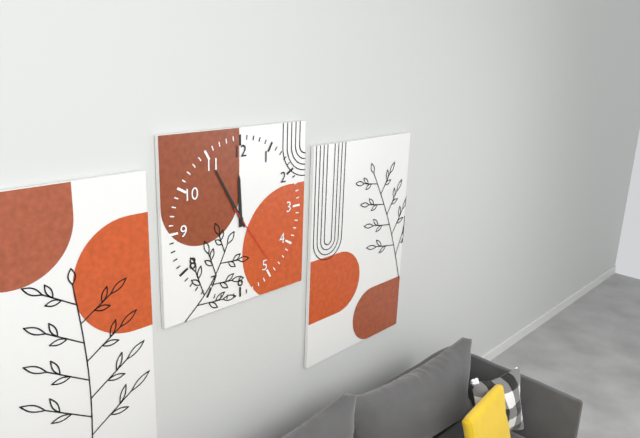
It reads 11 h 55 min 24 s
